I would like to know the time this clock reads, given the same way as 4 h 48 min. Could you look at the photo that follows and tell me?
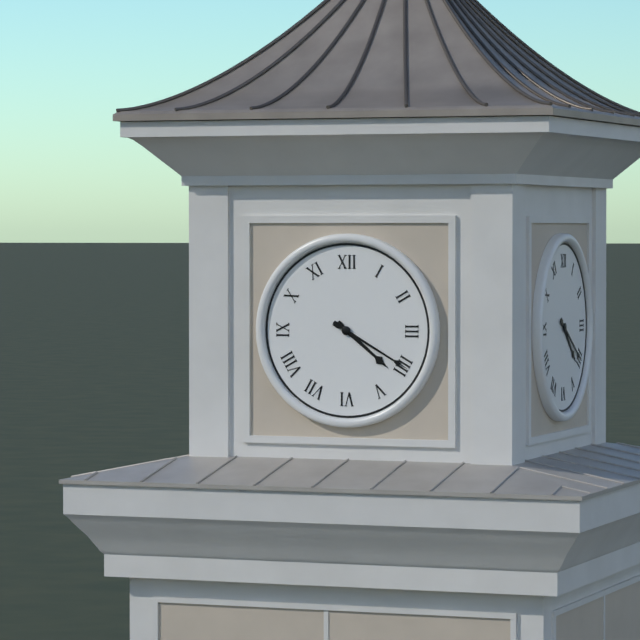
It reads 4 h 20 min
